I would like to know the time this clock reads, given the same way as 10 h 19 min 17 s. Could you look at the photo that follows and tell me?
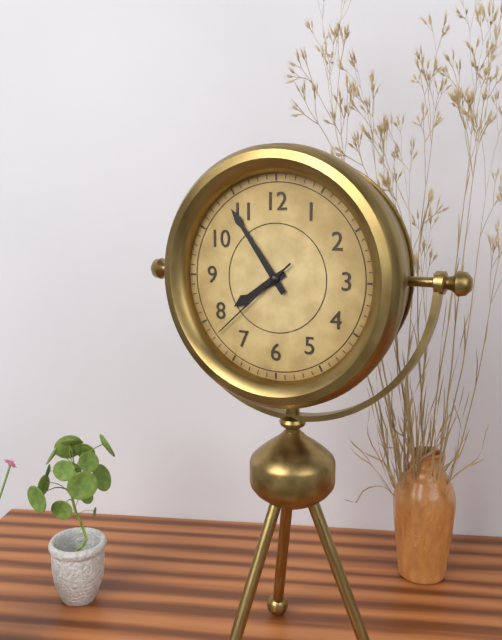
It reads 7 h 54 min 38 s
